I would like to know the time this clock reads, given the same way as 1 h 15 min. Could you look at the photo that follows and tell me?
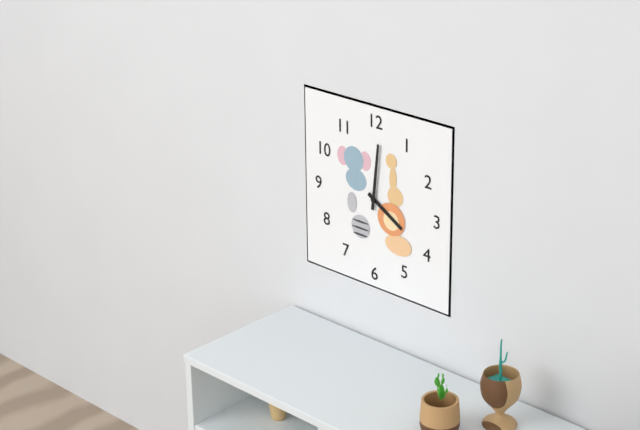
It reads 4 h 01 min
